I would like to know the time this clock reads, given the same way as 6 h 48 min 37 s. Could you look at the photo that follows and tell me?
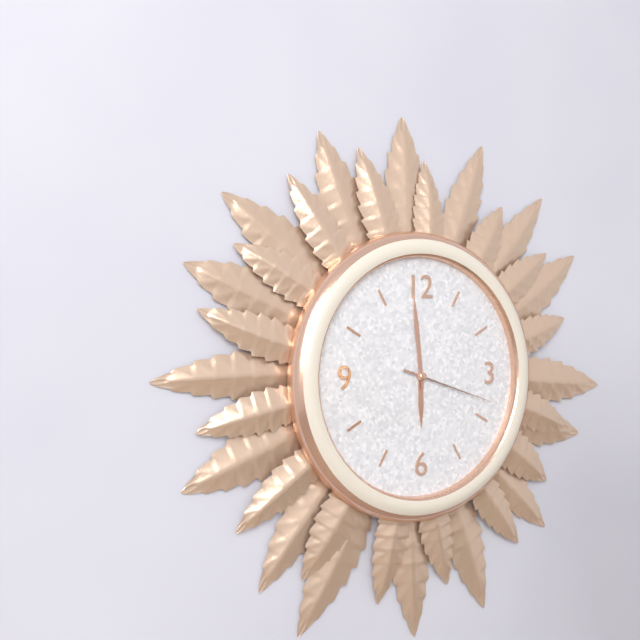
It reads 5 h 59 min 18 s
